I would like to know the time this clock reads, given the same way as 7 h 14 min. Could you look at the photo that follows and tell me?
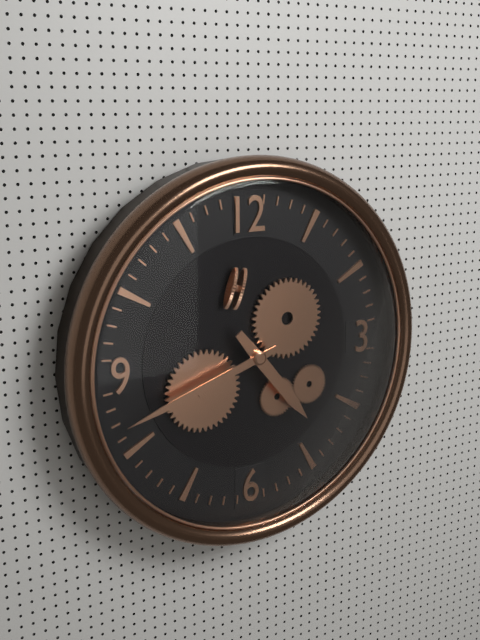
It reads 4 h 42 min
